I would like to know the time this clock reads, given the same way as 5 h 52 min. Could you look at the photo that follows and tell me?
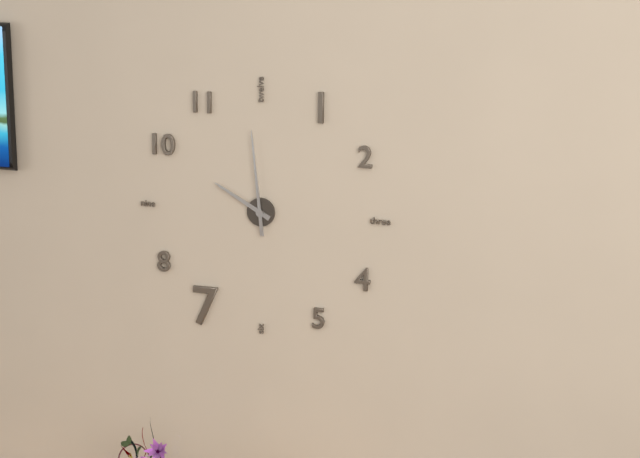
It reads 9 h 59 min
